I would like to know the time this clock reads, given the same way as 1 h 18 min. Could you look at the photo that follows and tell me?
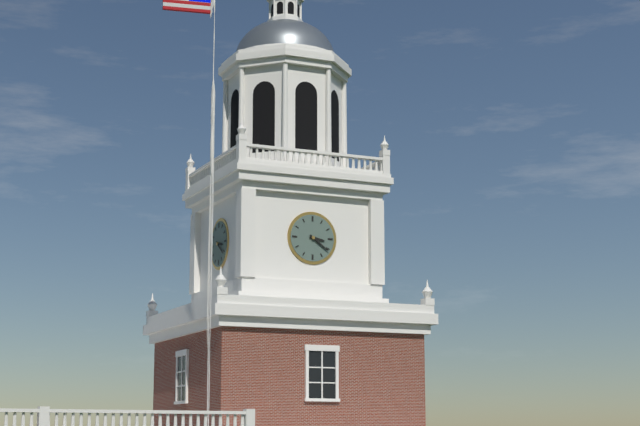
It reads 3 h 21 min
